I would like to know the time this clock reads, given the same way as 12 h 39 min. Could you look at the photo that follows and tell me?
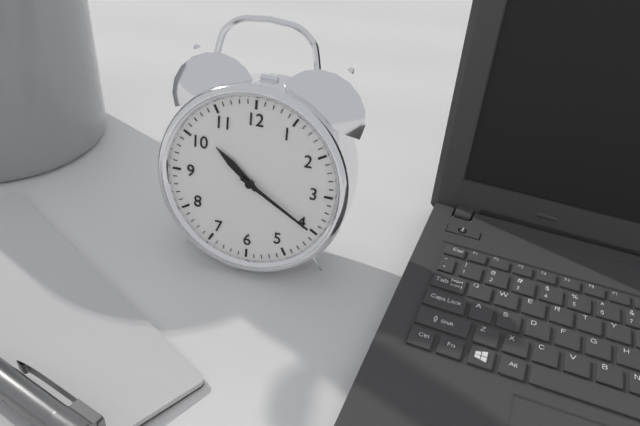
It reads 10 h 20 min
